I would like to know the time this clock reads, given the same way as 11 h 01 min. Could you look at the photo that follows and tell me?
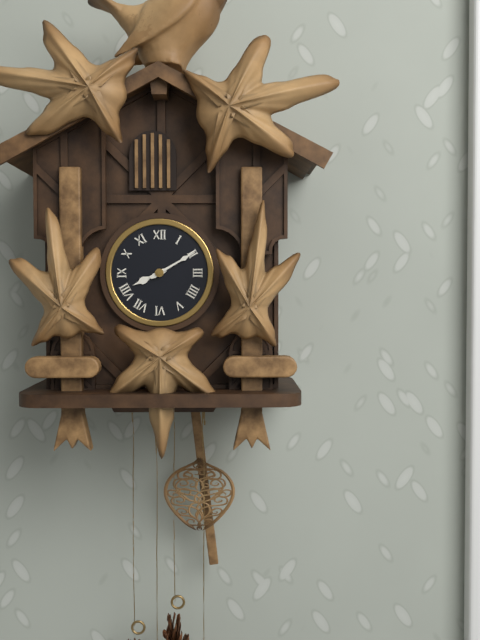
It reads 8 h 10 min
